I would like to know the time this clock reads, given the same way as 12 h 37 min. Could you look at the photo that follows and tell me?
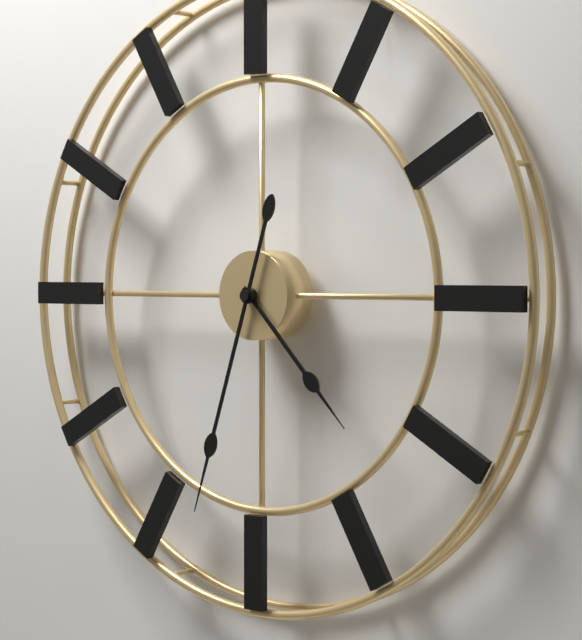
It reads 4 h 33 min
